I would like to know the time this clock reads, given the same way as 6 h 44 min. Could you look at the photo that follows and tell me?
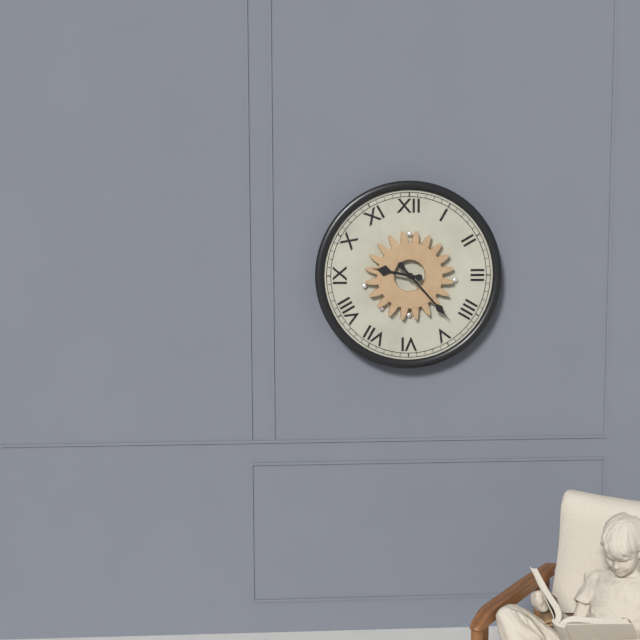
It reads 9 h 23 min
